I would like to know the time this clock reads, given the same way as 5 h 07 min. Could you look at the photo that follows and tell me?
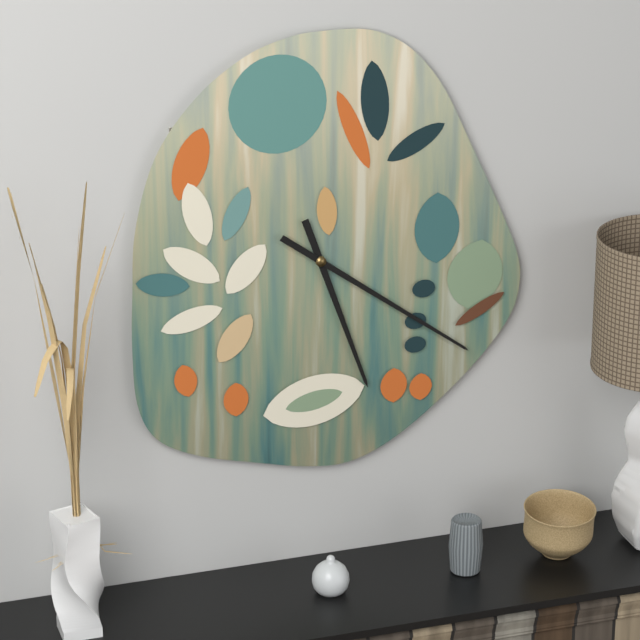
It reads 5 h 21 min
